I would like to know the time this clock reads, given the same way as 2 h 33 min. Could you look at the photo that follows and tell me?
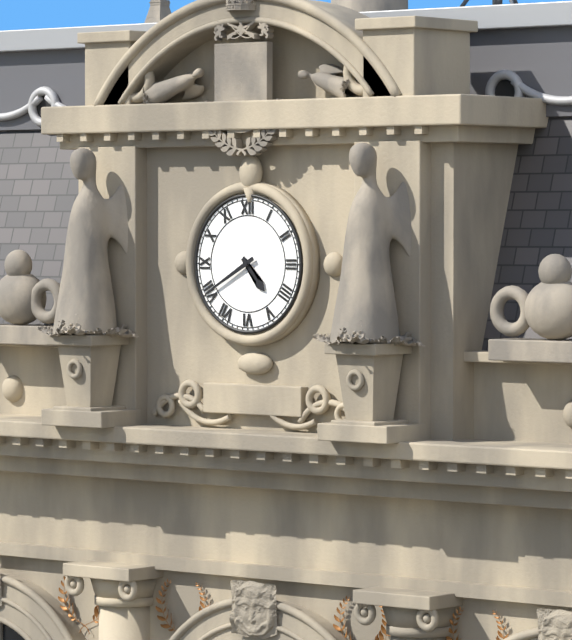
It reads 4 h 40 min
